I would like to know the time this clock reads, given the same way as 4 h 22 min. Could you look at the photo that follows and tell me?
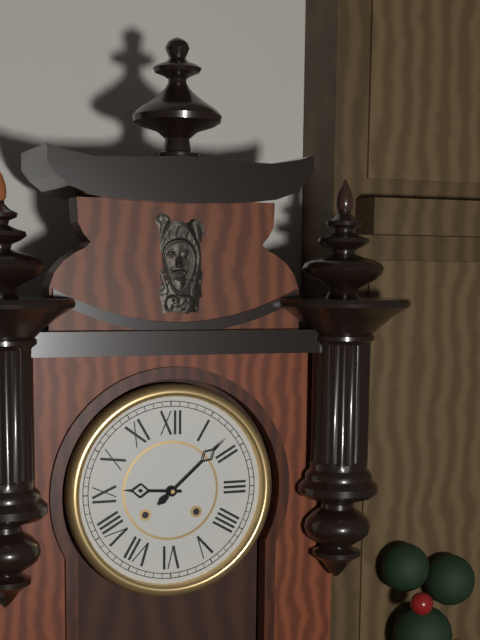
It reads 9 h 08 min
